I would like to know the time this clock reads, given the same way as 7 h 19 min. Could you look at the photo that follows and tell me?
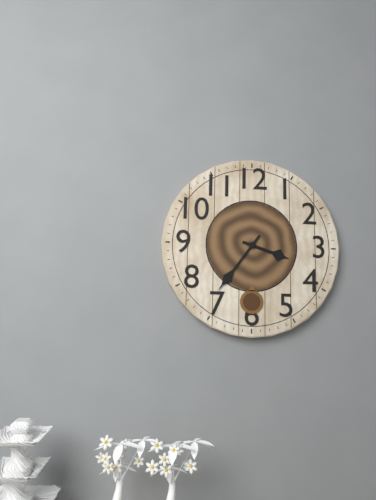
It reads 3 h 36 min
